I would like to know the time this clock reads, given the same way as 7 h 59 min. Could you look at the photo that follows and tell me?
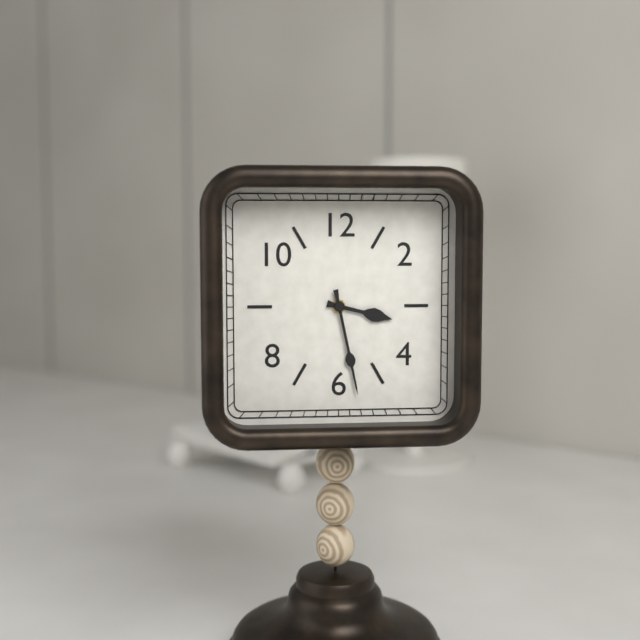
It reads 3 h 28 min
